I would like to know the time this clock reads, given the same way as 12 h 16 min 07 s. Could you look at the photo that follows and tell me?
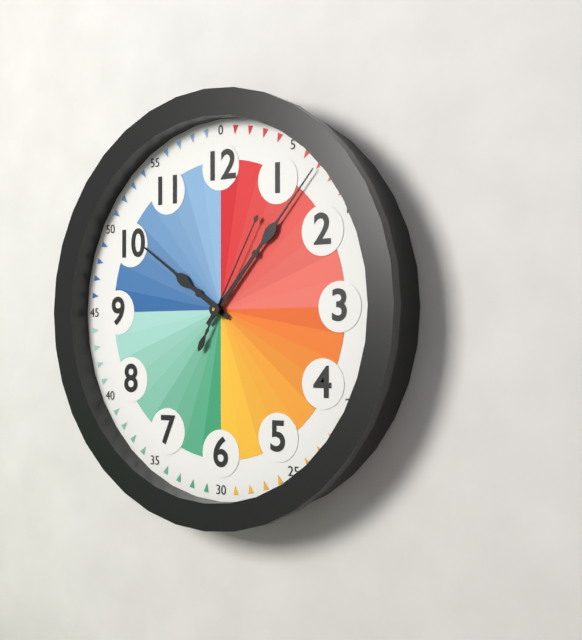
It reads 10 h 07 min 05 s
